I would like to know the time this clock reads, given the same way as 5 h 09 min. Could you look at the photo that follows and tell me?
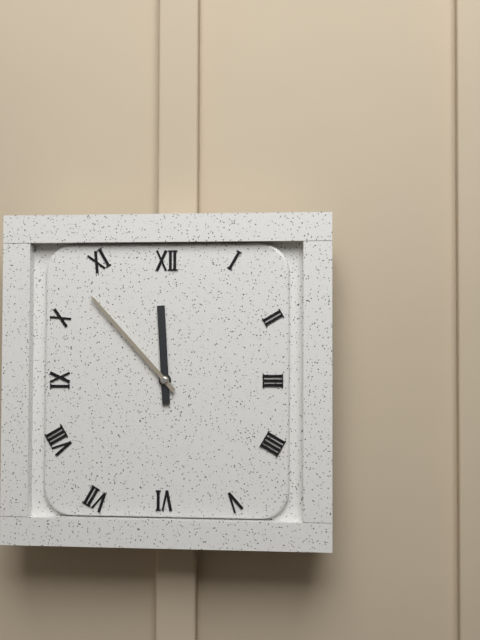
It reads 11 h 53 min
